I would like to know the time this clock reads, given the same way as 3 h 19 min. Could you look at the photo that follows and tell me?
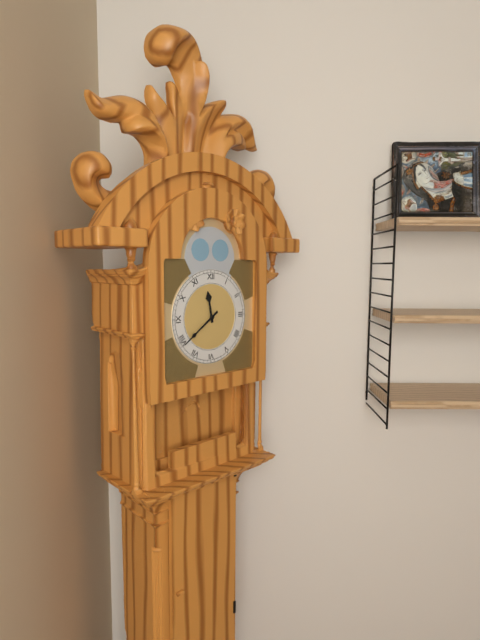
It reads 11 h 39 min
